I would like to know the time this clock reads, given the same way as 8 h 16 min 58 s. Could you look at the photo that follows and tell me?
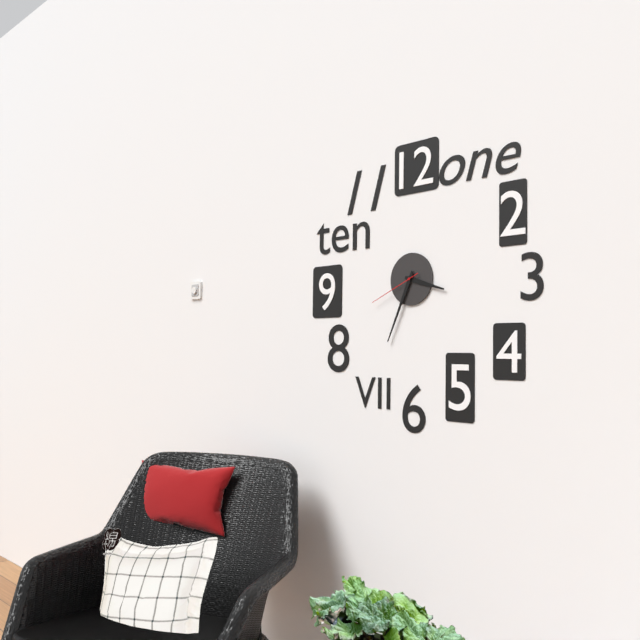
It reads 3 h 34 min 41 s
